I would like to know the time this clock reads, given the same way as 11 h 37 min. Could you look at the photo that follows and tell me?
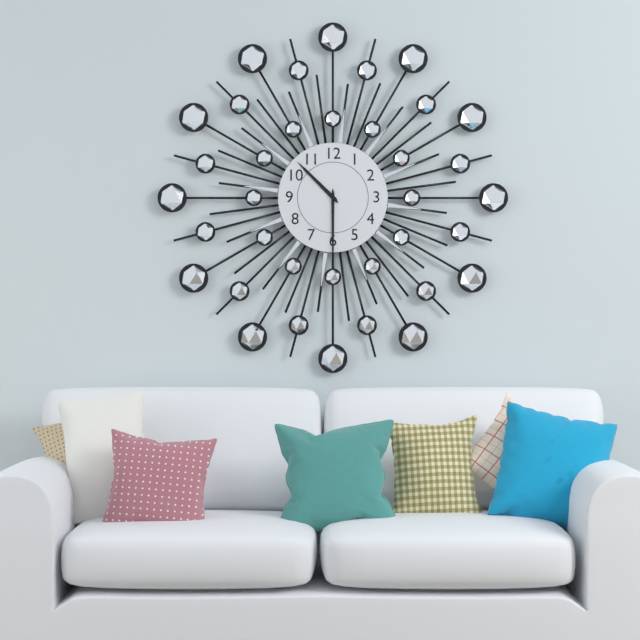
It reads 10 h 30 min
